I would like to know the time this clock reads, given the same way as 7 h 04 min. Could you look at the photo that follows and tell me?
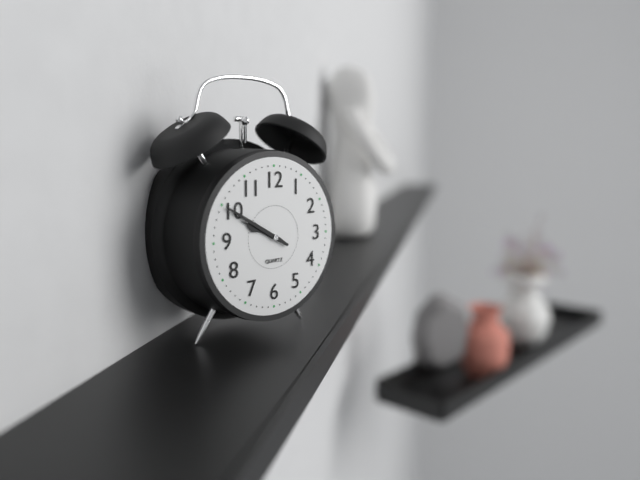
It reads 9 h 50 min
